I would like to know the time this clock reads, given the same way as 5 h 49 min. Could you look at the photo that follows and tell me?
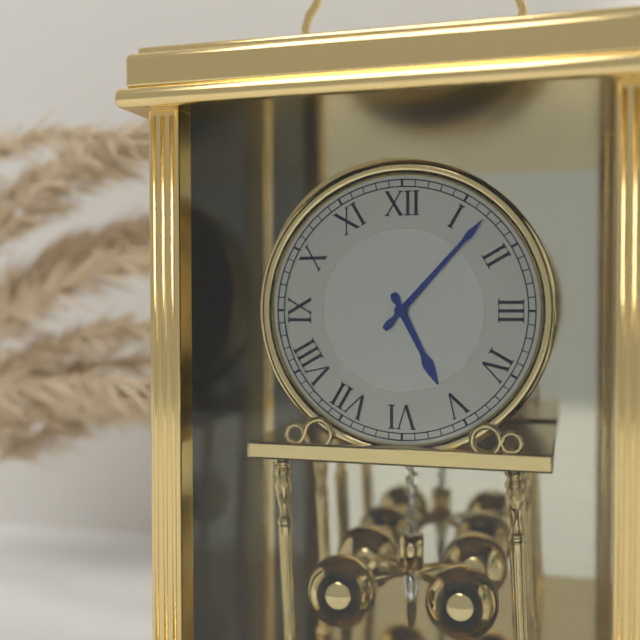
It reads 5 h 07 min
